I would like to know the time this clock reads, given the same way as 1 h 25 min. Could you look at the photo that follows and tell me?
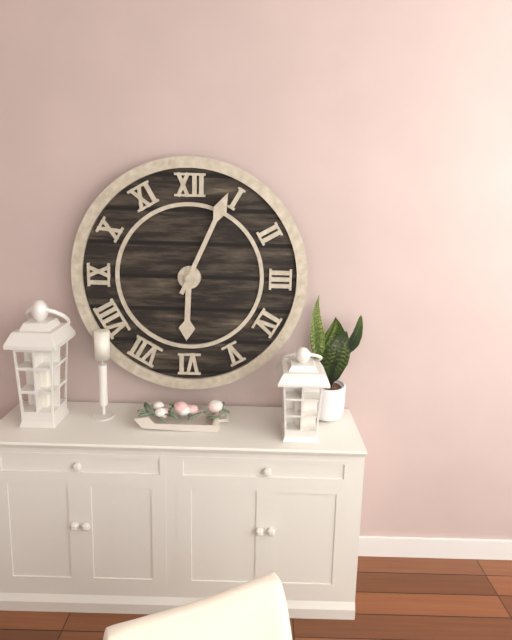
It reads 6 h 04 min
